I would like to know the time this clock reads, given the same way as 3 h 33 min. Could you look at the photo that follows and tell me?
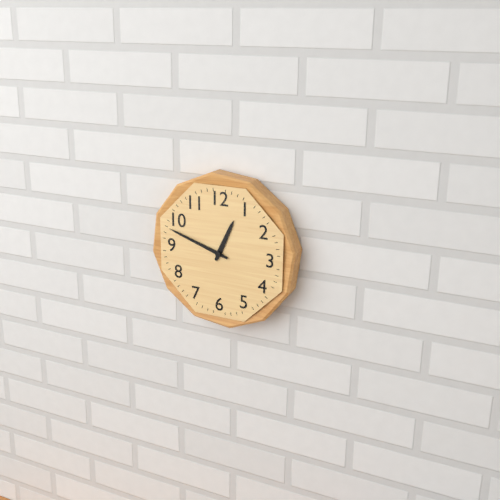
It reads 12 h 48 min
